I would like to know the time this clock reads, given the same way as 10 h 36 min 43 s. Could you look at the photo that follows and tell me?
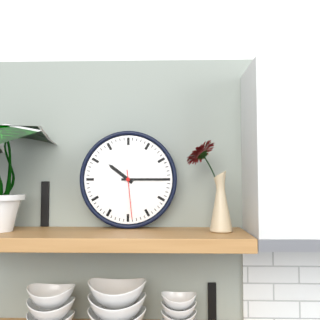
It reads 10 h 15 min 29 s
